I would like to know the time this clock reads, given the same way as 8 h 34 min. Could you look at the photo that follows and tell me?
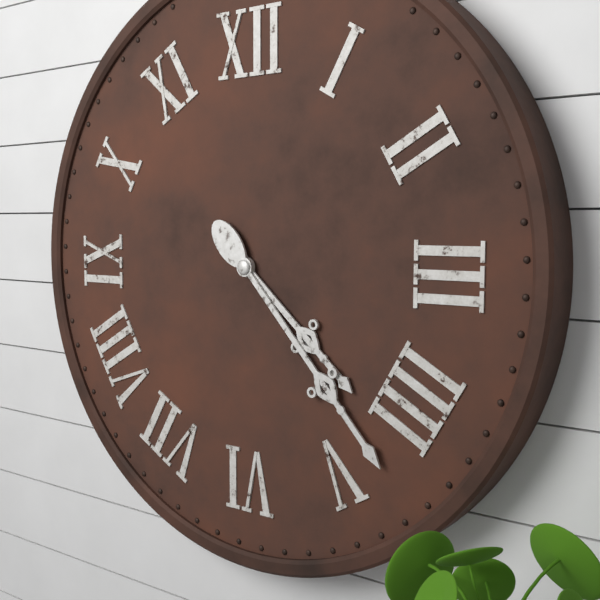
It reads 4 h 23 min
